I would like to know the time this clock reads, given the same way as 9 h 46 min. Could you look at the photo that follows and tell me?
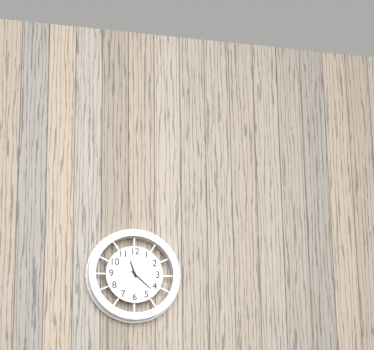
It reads 11 h 22 min
